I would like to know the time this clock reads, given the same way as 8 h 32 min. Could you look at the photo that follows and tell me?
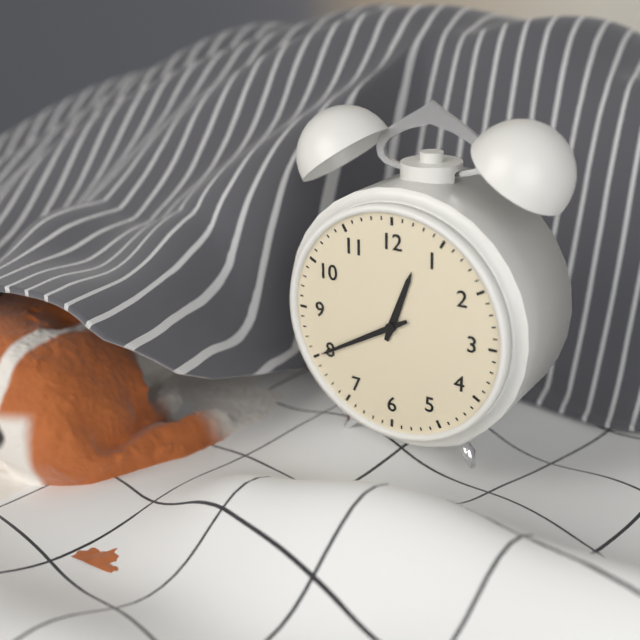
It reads 12 h 40 min
